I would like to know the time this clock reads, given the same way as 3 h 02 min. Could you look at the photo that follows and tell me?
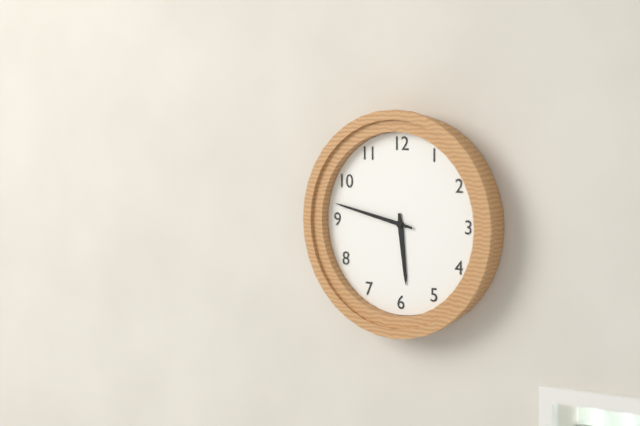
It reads 5 h 47 min
